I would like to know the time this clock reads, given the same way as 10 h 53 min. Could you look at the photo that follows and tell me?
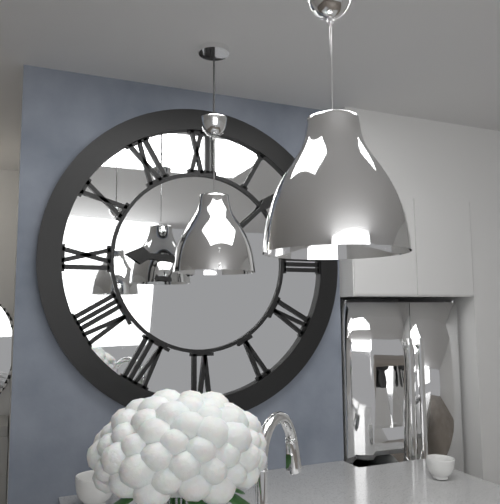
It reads 9 h 08 min
